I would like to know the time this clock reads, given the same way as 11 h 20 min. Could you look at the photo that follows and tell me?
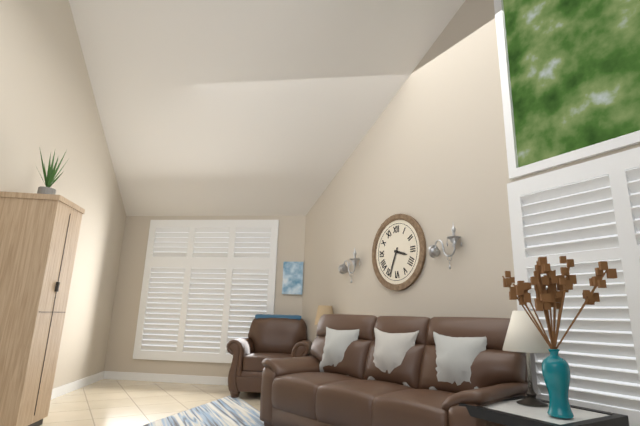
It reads 3 h 34 min
